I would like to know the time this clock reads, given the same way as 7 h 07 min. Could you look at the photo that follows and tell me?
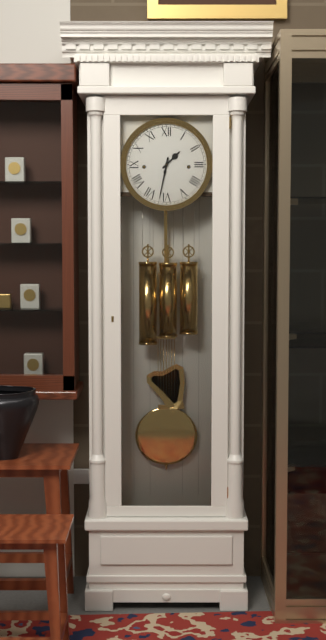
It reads 1 h 32 min
